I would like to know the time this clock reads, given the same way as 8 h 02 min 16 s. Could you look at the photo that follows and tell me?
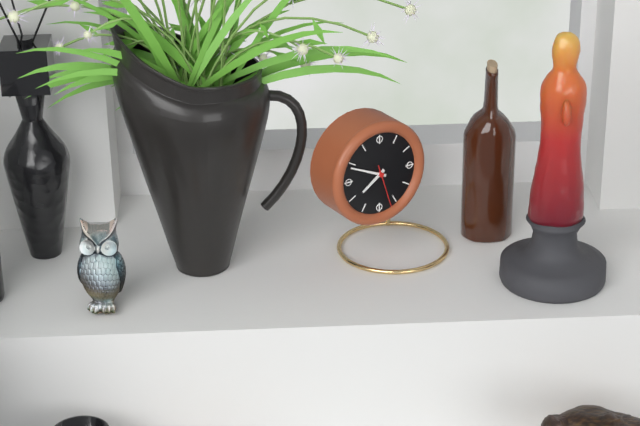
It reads 7 h 49 min 27 s
